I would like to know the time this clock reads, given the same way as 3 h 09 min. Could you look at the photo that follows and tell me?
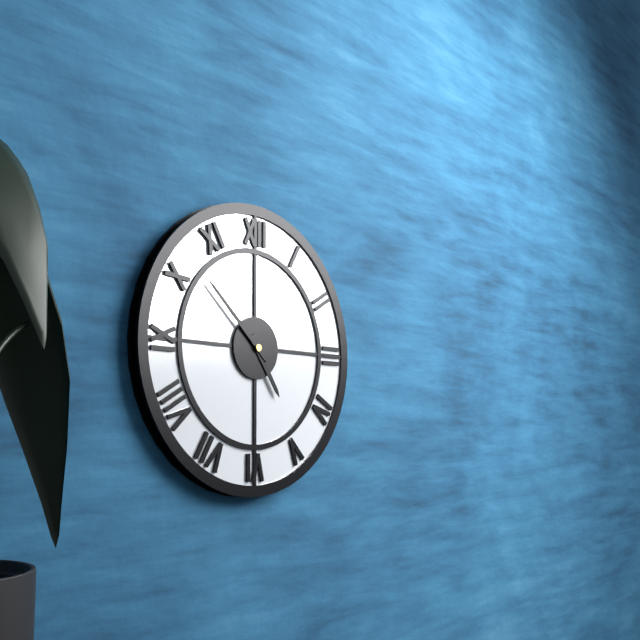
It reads 4 h 52 min
